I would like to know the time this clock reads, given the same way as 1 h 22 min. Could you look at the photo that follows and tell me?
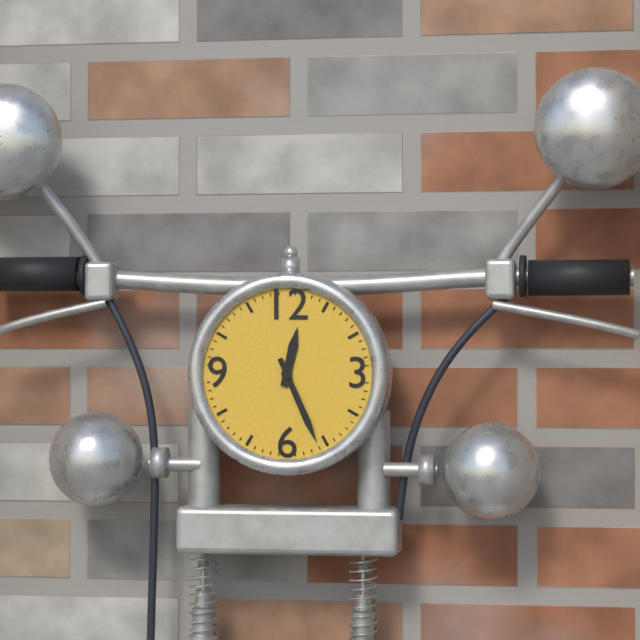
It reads 12 h 26 min
